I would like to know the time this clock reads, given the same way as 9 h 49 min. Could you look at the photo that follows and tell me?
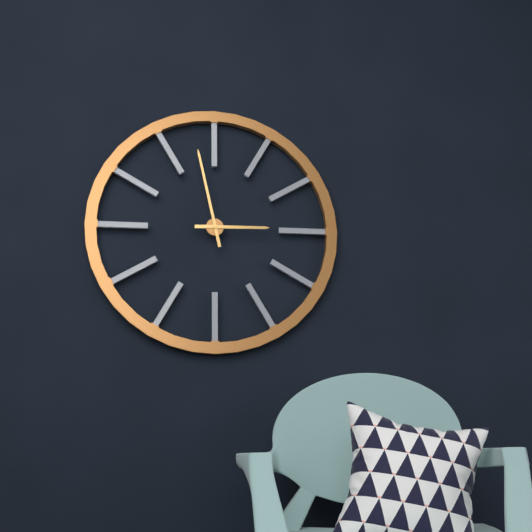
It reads 2 h 58 min
